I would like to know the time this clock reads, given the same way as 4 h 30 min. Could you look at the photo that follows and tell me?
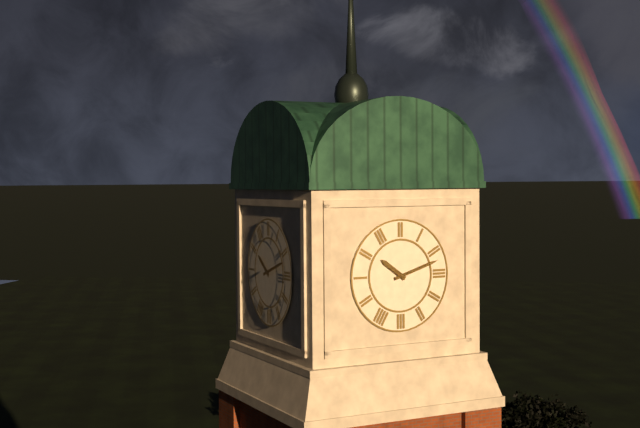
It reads 10 h 12 min
